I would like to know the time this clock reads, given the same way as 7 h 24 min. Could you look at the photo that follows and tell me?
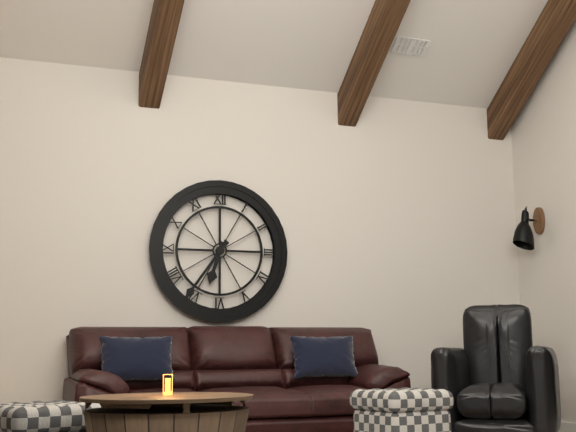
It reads 6 h 36 min
